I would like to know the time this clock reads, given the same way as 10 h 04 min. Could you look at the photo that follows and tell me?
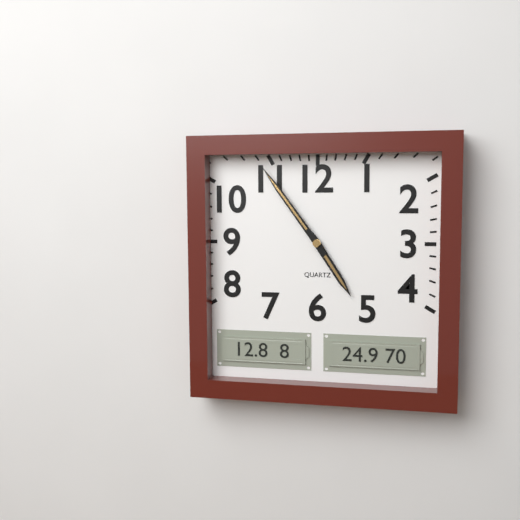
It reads 4 h 54 min
